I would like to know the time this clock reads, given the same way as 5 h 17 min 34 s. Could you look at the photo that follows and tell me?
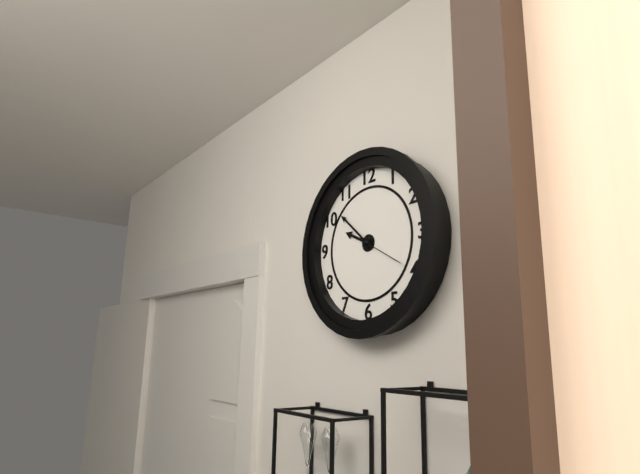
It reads 9 h 52 min 20 s
